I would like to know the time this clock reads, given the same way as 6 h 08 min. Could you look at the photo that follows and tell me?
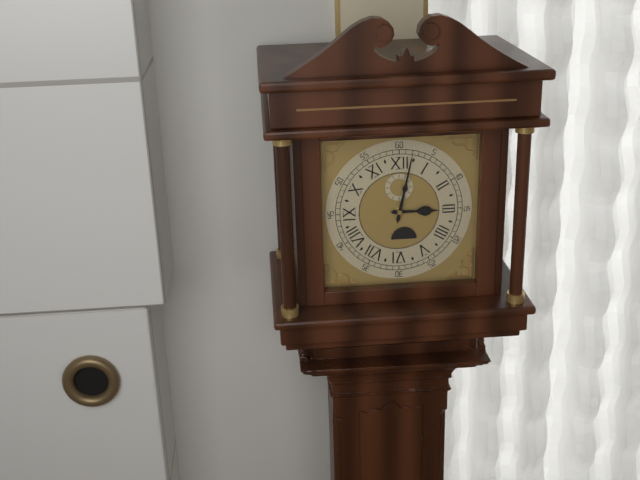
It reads 3 h 02 min
